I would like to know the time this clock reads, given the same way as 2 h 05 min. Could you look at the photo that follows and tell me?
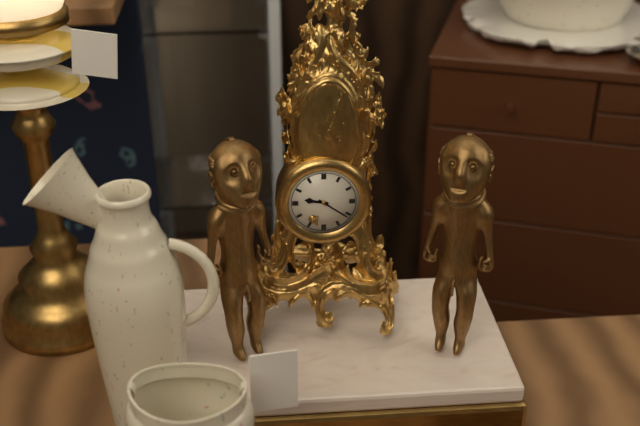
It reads 9 h 21 min
